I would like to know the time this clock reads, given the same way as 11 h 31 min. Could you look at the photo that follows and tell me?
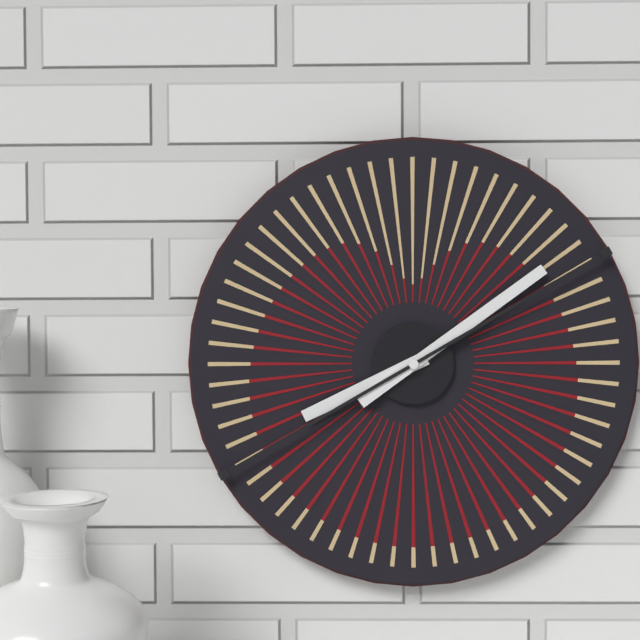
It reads 8 h 09 min
